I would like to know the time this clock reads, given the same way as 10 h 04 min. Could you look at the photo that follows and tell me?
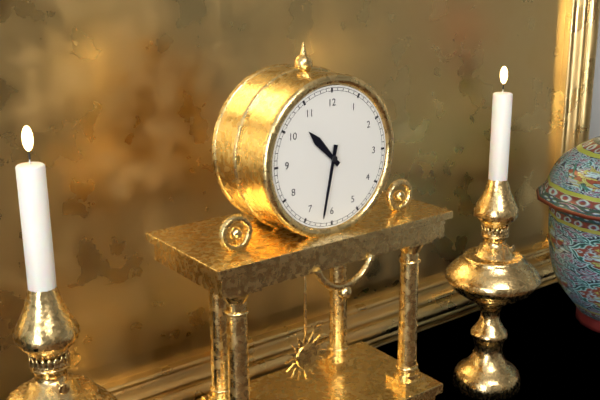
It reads 10 h 32 min
